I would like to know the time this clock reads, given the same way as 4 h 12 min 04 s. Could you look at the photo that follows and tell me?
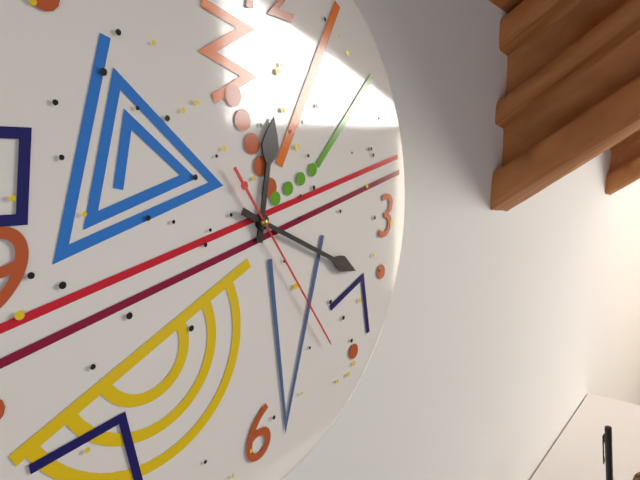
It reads 12 h 19 min 24 s
